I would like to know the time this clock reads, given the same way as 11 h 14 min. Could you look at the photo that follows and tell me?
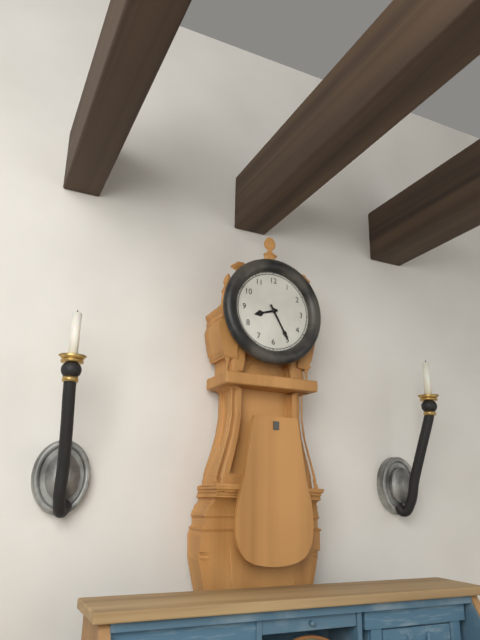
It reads 8 h 25 min
